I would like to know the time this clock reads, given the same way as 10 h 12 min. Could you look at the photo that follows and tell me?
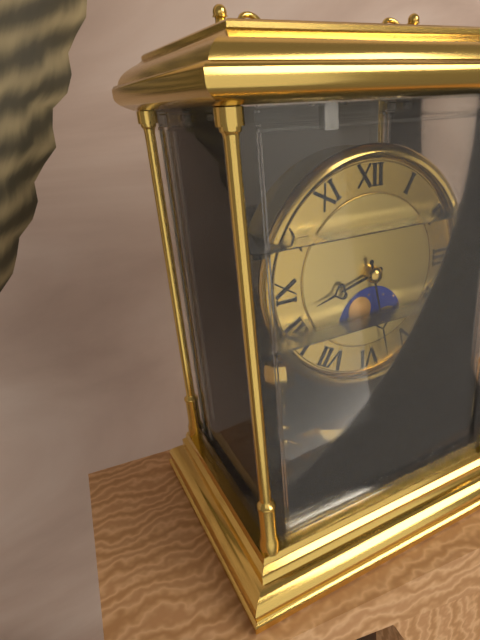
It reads 8 h 28 min
